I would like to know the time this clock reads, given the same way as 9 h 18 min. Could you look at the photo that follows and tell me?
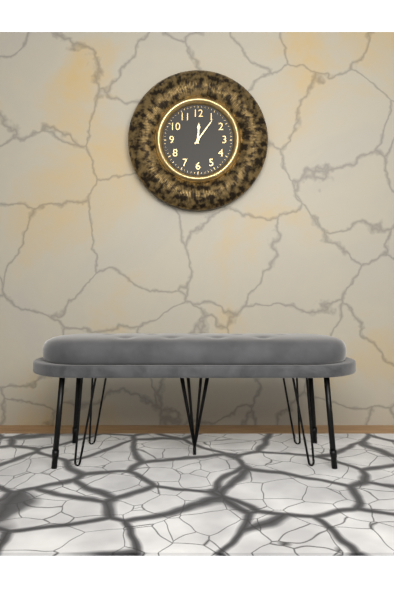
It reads 12 h 06 min
